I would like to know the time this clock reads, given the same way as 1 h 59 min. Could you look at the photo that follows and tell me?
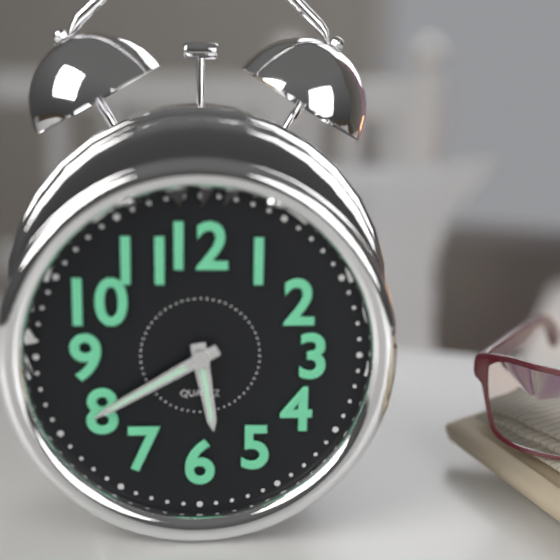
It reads 5 h 40 min
